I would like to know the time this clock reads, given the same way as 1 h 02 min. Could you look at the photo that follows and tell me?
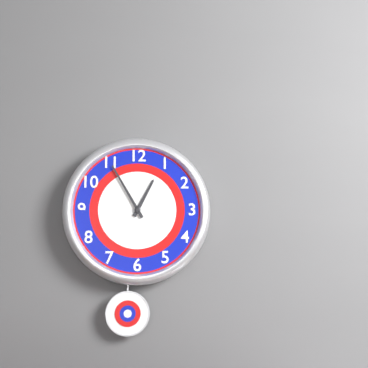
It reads 12 h 55 min
